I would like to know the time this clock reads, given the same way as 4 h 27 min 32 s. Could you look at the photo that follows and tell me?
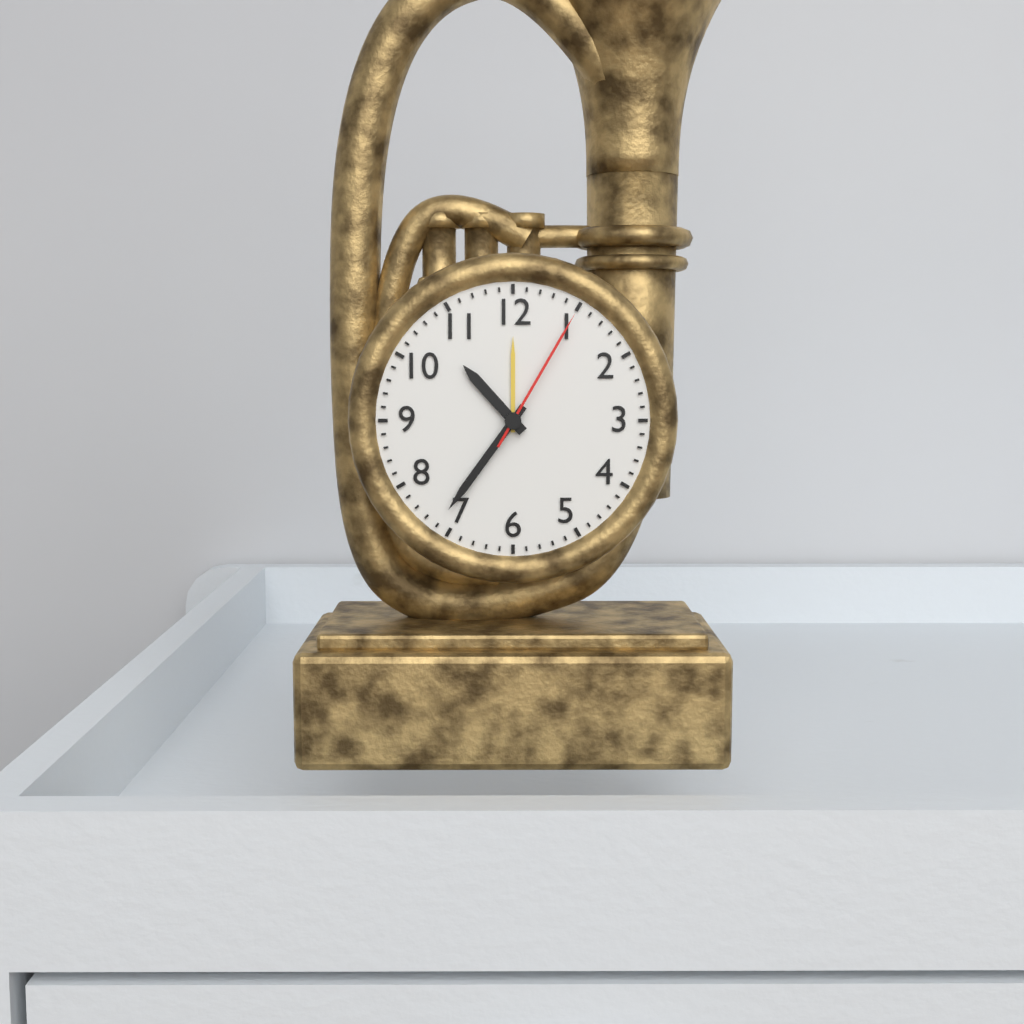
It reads 10 h 36 min 05 s
